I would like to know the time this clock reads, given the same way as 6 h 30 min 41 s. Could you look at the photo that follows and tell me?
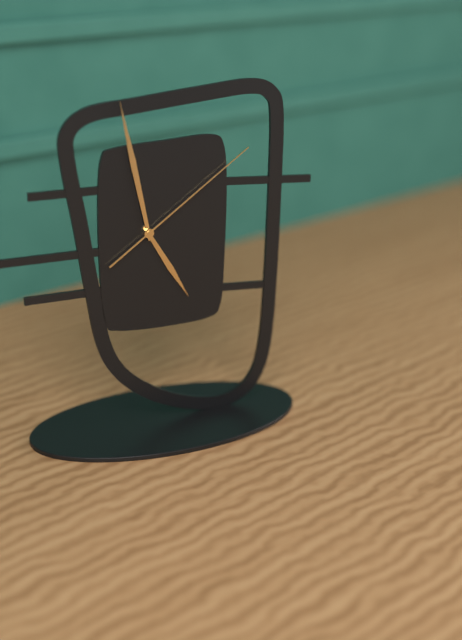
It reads 4 h 58 min 09 s
